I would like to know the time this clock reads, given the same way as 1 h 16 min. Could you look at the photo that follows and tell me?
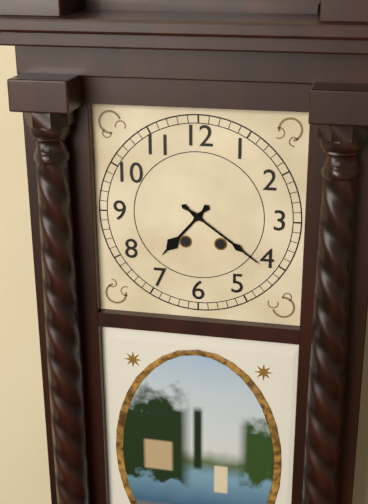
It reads 7 h 21 min
